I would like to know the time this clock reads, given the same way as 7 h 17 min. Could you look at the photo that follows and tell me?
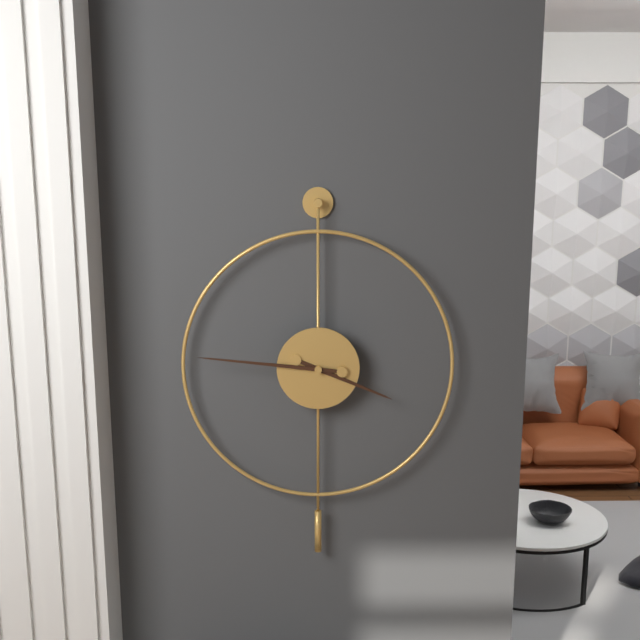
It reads 3 h 46 min
